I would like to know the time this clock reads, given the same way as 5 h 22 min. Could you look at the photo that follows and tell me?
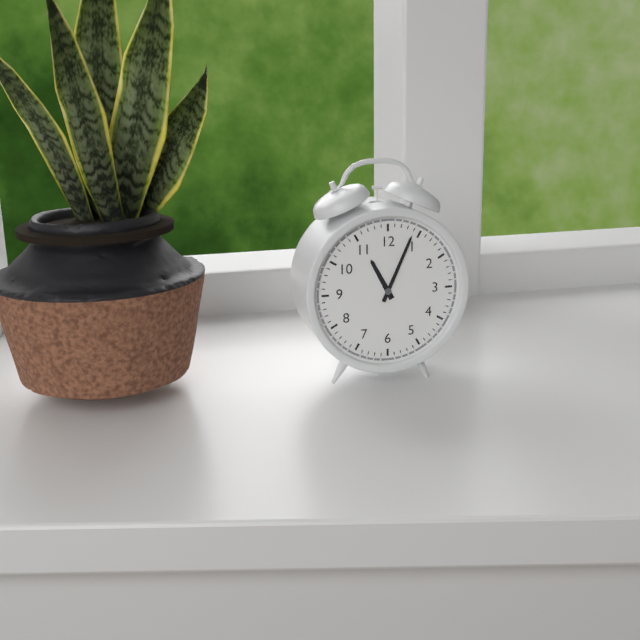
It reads 11 h 04 min
